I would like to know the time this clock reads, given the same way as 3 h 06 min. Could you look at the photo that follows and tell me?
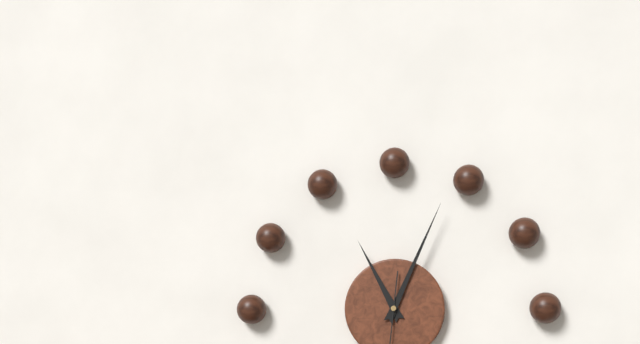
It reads 11 h 04 min
